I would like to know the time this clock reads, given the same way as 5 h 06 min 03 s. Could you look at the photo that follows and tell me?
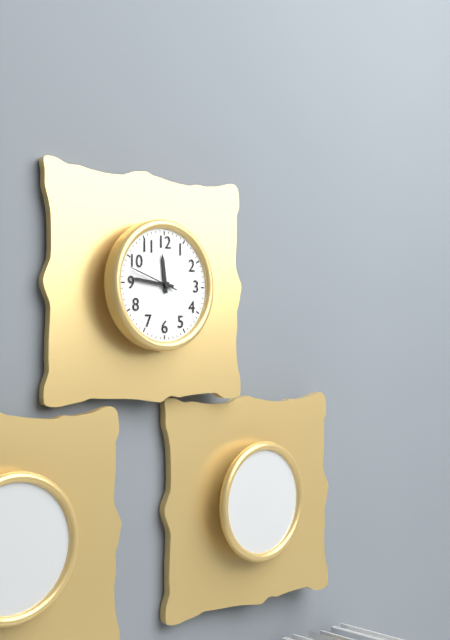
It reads 11 h 46 min 48 s
